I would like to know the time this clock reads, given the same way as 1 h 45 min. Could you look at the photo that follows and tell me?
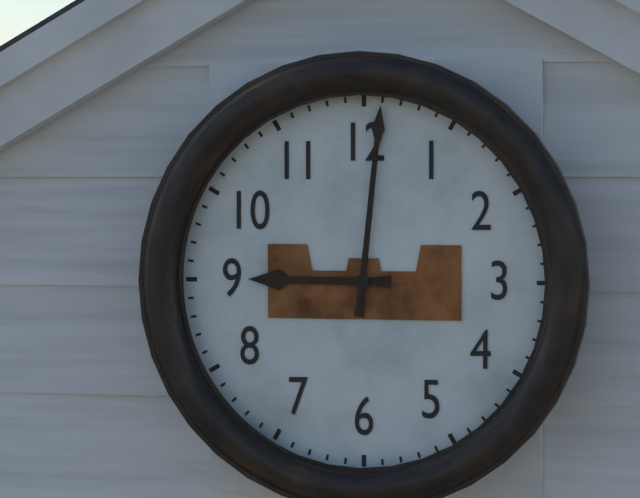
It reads 9 h 01 min
